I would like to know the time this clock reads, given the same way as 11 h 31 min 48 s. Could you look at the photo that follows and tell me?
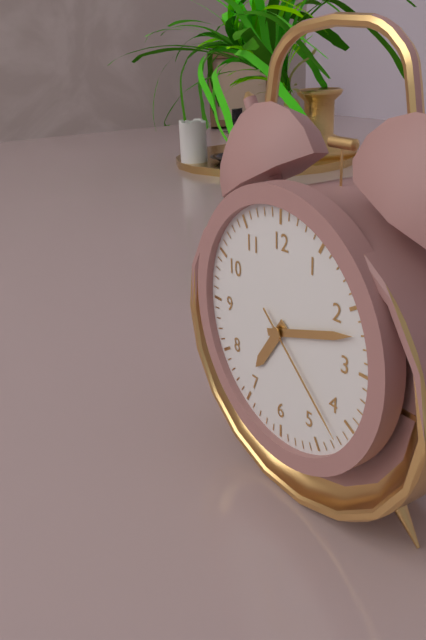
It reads 7 h 12 min 22 s
